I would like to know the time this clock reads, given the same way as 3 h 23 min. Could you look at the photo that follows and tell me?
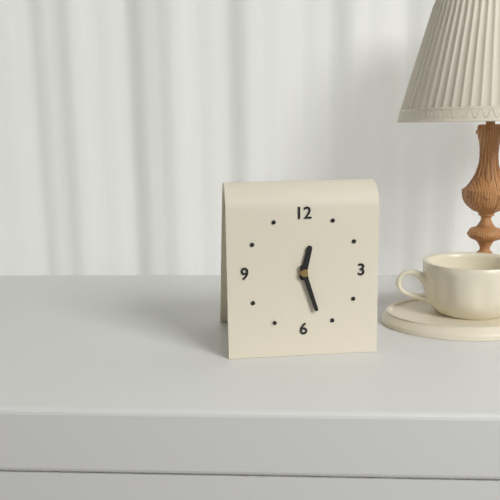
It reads 12 h 27 min
